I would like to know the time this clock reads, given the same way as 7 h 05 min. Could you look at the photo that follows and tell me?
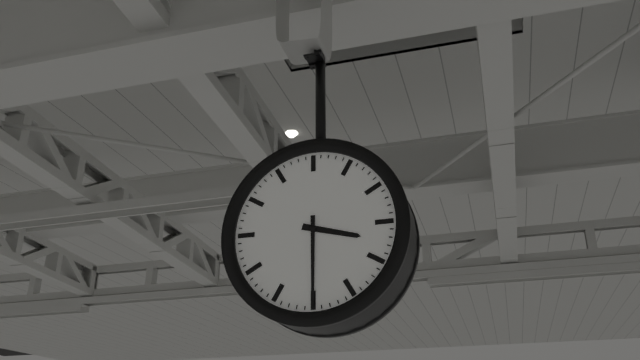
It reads 3 h 30 min
